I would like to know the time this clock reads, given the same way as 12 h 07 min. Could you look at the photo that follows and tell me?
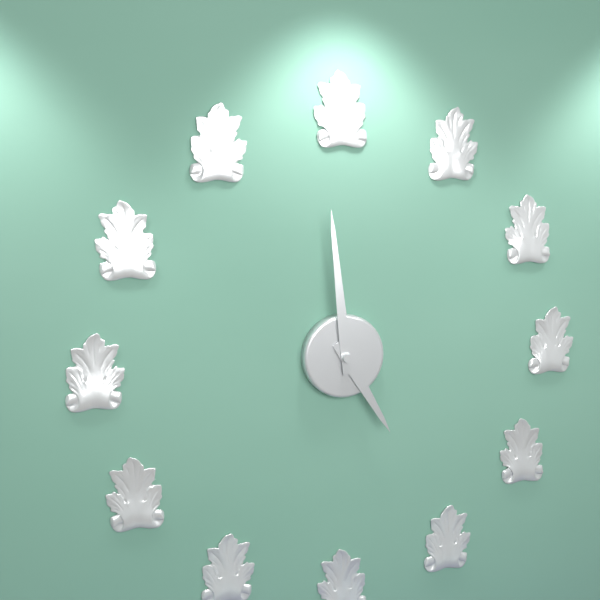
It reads 4 h 59 min
